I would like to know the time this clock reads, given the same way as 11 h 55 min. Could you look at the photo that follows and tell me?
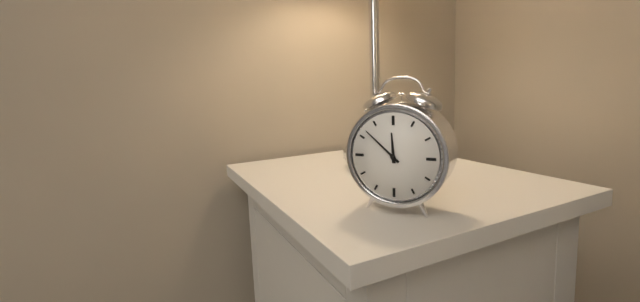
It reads 11 h 52 min
